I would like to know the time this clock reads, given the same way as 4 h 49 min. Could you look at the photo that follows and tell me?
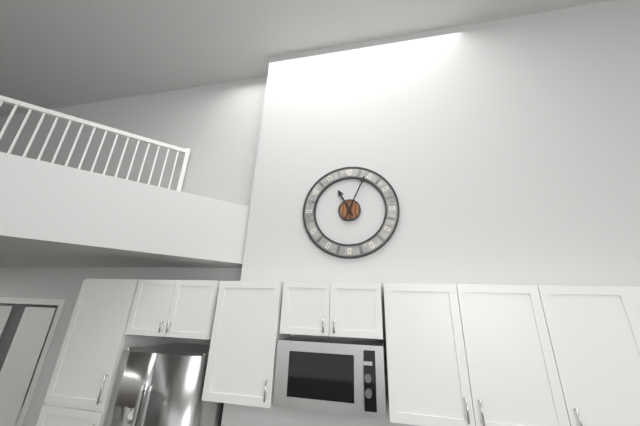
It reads 11 h 04 min
